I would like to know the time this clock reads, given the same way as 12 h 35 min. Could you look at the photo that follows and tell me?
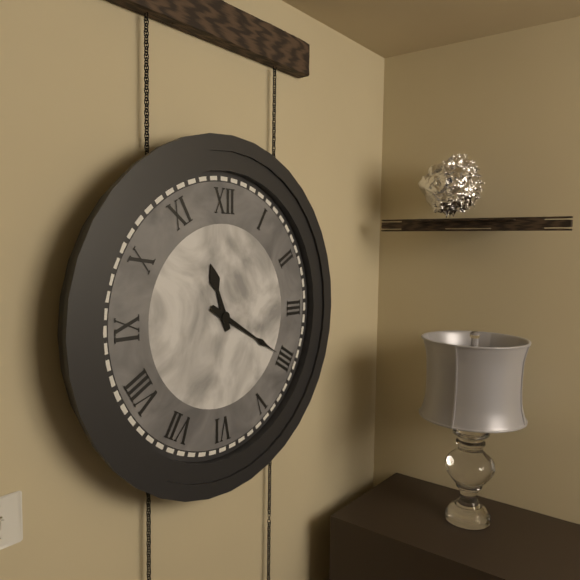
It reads 11 h 20 min
